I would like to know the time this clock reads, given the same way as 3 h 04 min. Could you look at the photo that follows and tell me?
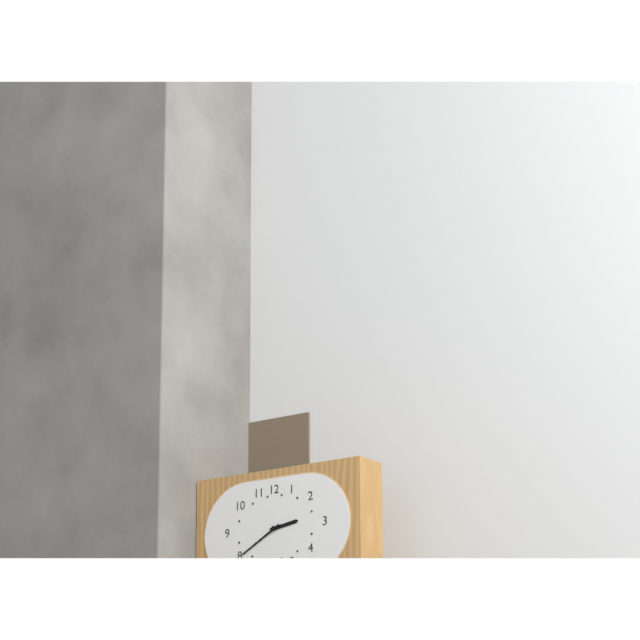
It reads 2 h 40 min
